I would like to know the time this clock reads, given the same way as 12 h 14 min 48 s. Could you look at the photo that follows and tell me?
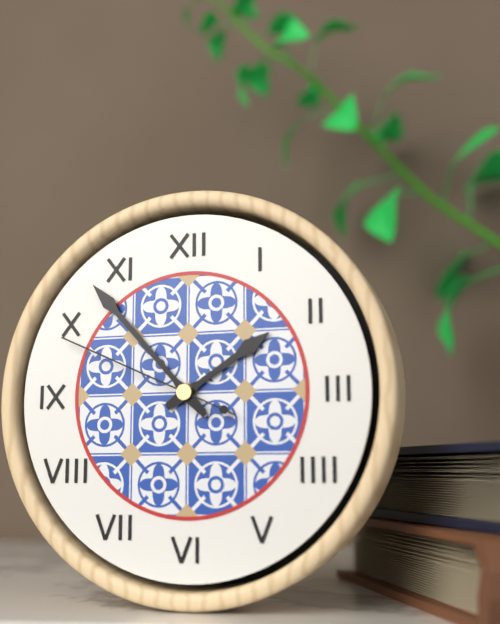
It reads 1 h 53 min 49 s
